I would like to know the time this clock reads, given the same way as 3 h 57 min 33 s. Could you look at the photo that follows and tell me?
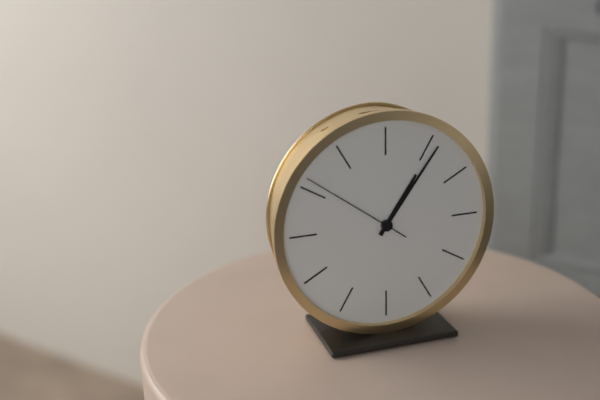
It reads 1 h 06 min 51 s
